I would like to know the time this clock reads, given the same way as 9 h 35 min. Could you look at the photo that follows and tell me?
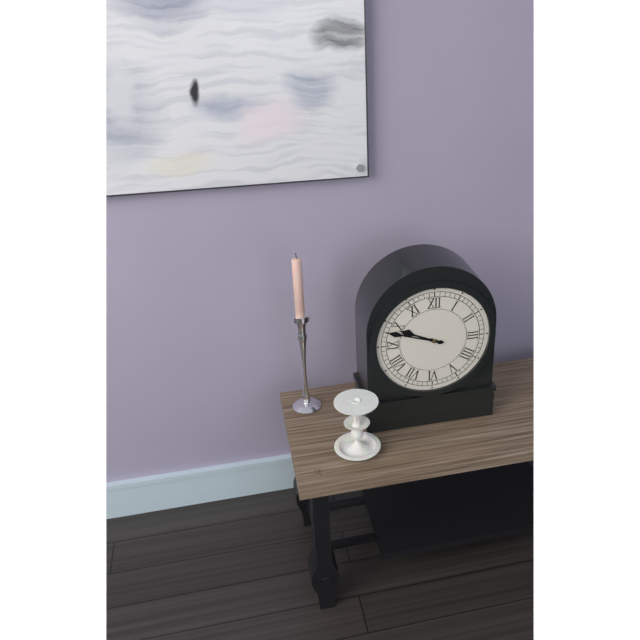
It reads 9 h 48 min
